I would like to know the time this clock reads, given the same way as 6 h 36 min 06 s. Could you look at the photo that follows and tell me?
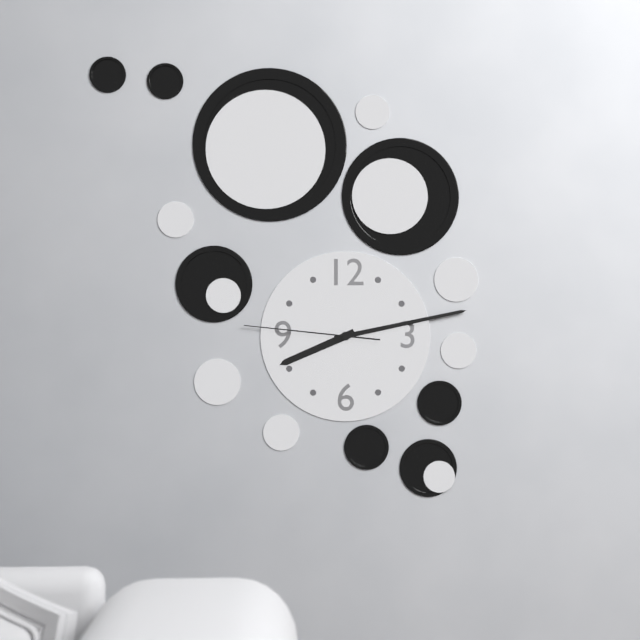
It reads 8 h 13 min 46 s
